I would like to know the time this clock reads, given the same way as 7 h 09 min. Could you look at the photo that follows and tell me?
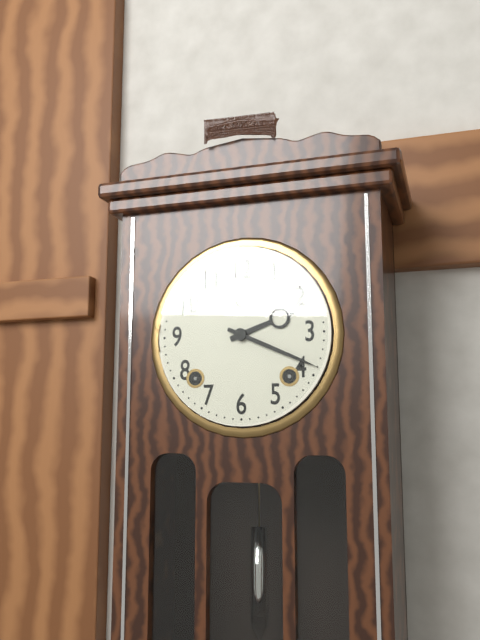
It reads 2 h 19 min
